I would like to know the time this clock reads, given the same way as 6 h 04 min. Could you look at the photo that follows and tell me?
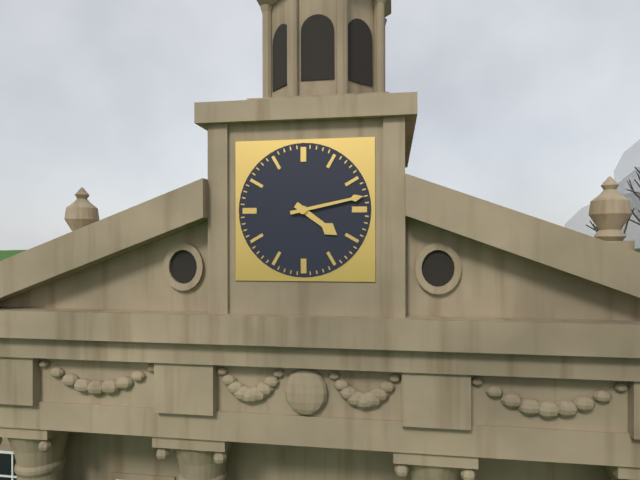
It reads 4 h 13 min
